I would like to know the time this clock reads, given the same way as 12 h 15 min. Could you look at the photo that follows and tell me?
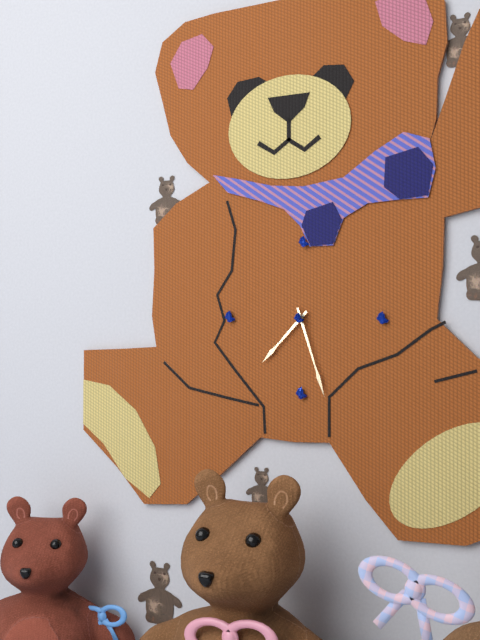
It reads 7 h 27 min
